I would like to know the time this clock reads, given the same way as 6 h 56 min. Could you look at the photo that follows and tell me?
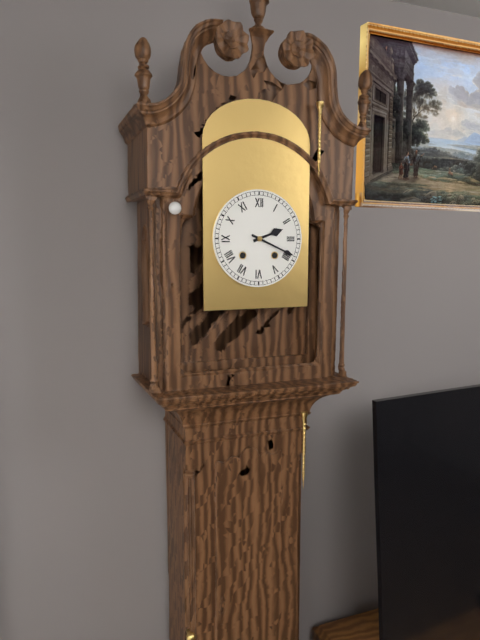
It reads 2 h 19 min
